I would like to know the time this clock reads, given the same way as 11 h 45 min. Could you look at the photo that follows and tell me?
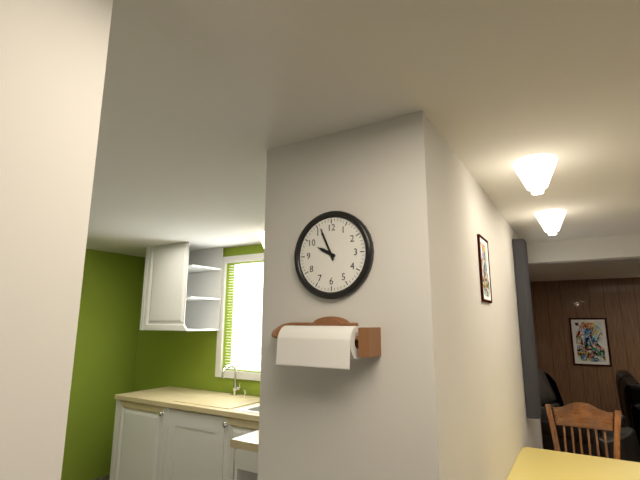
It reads 9 h 56 min
